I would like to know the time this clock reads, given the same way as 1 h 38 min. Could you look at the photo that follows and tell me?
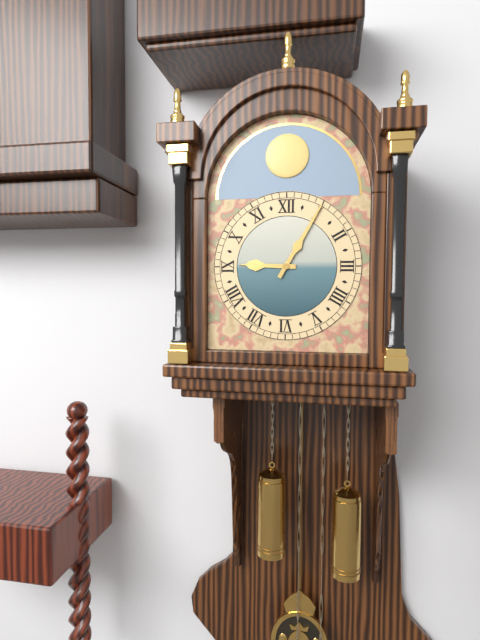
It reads 9 h 05 min
